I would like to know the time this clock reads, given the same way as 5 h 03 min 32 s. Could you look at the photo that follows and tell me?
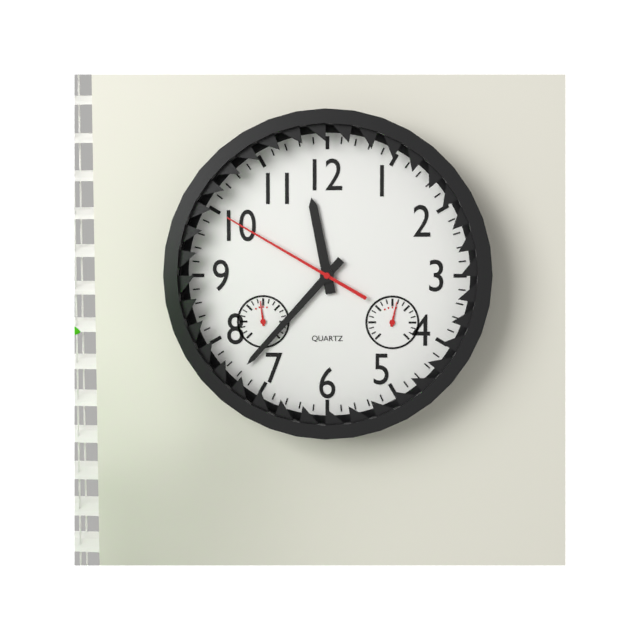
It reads 11 h 37 min 50 s
